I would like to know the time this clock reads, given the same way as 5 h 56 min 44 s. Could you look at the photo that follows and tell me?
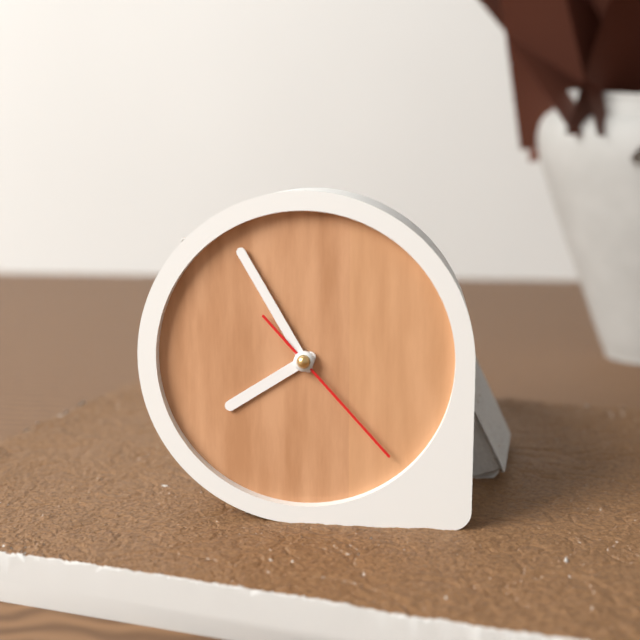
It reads 7 h 55 min 23 s
